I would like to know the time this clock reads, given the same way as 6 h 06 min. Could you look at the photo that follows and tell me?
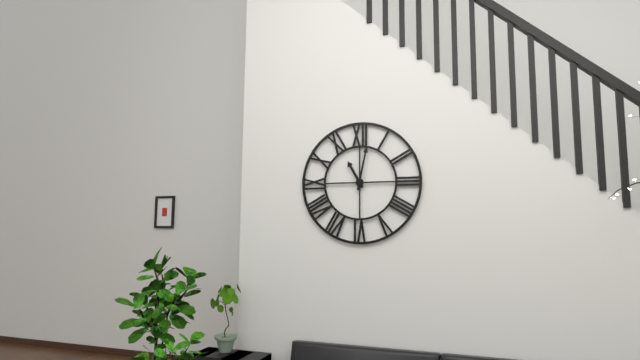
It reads 11 h 02 min
